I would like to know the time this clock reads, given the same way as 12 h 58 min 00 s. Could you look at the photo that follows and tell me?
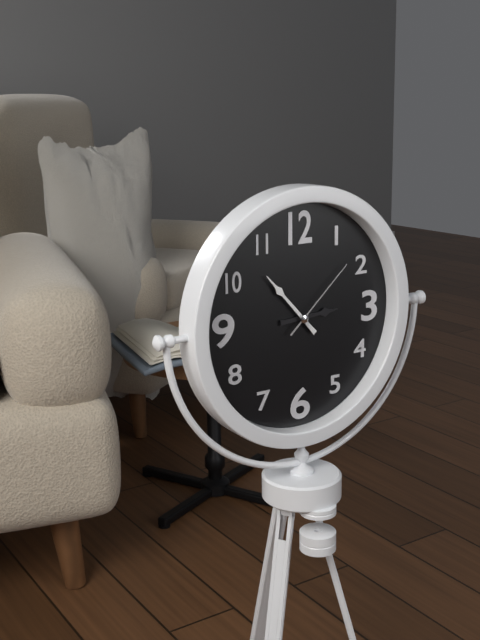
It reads 2 h 53 min 08 s
